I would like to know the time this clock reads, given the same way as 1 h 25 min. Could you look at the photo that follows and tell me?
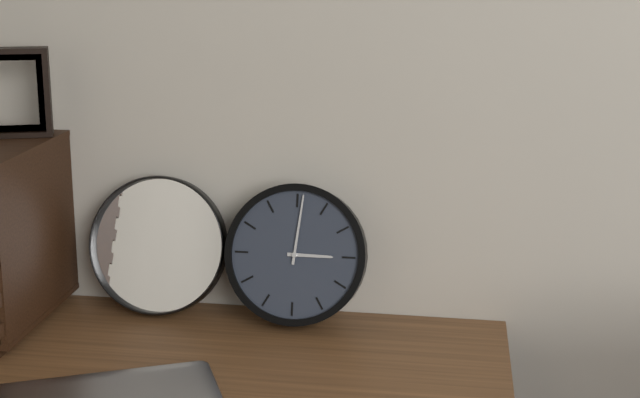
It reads 3 h 01 min
